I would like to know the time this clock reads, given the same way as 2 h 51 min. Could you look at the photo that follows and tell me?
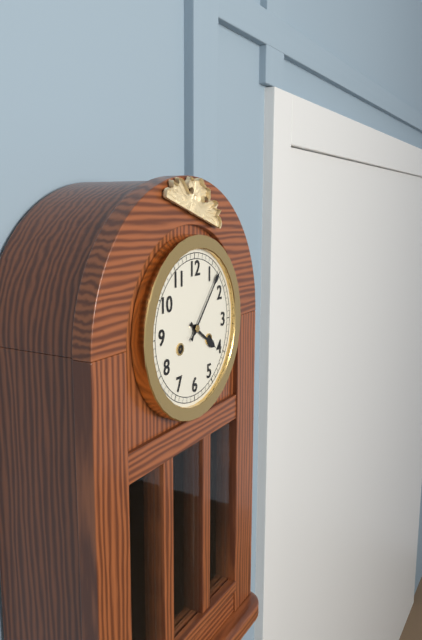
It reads 4 h 07 min
